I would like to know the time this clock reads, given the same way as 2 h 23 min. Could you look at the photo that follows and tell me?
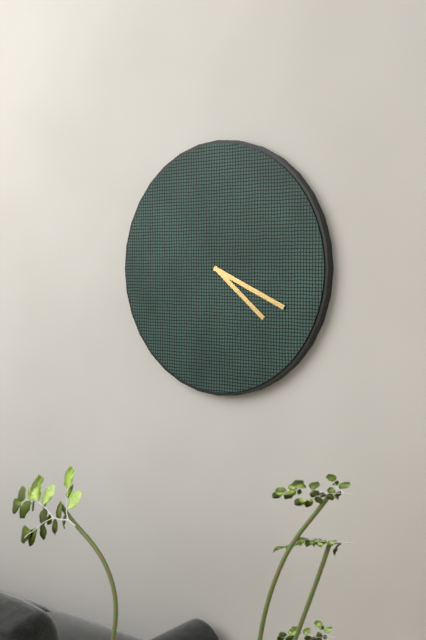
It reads 4 h 19 min
